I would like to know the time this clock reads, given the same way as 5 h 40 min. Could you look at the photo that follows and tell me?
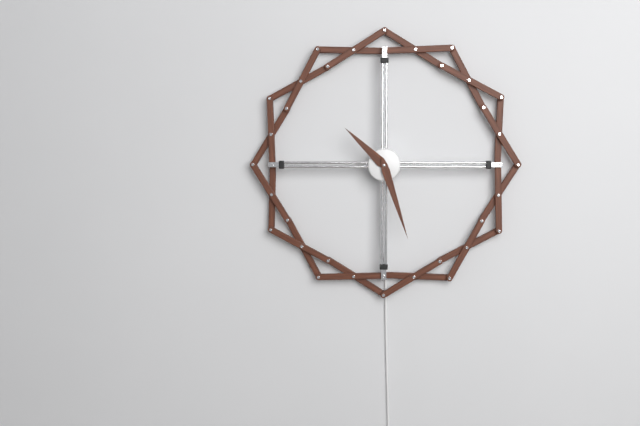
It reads 10 h 27 min
